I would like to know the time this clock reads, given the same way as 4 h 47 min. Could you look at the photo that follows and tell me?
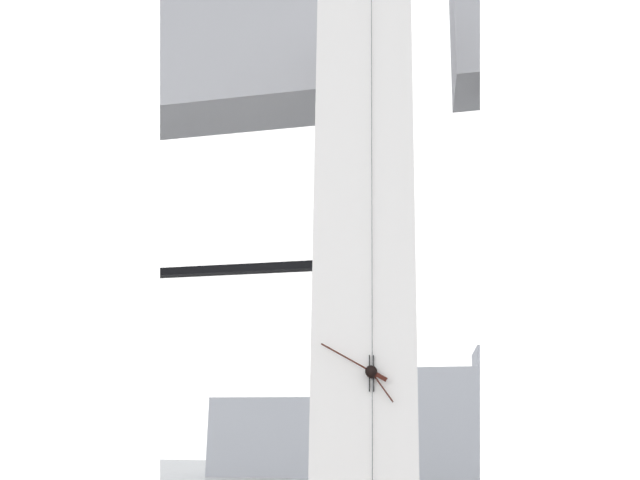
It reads 4 h 50 min
